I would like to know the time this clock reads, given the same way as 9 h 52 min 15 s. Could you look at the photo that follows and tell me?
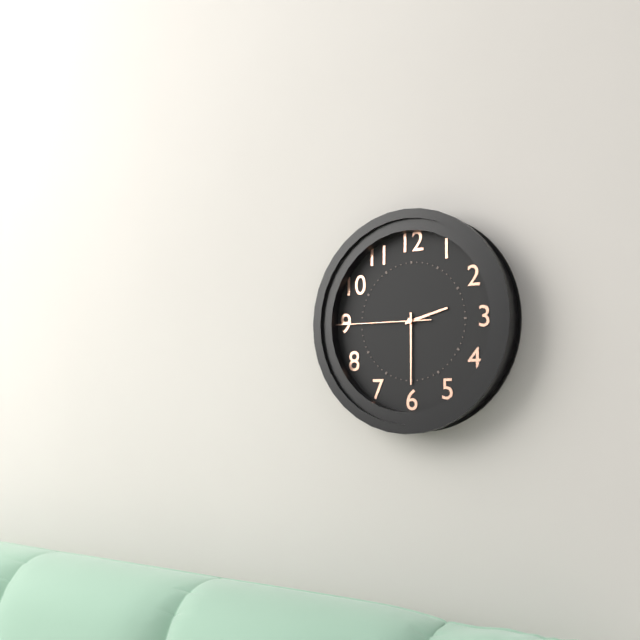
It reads 2 h 30 min 45 s
